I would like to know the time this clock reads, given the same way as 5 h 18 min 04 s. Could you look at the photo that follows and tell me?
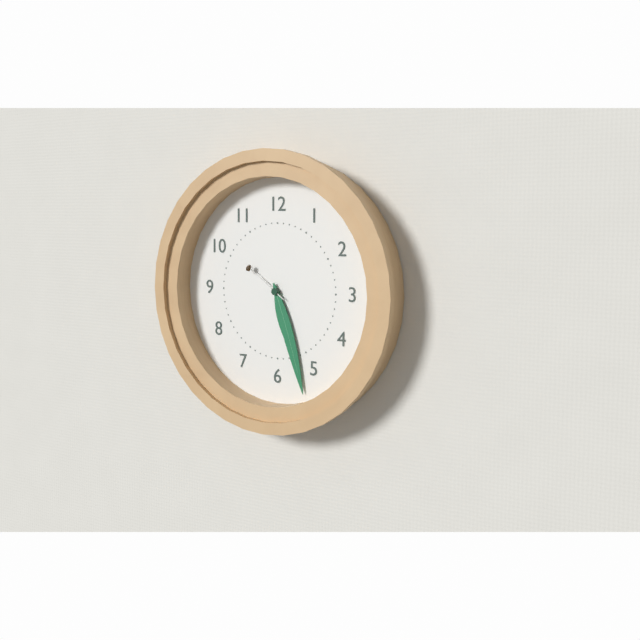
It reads 5 h 27 min 51 s
